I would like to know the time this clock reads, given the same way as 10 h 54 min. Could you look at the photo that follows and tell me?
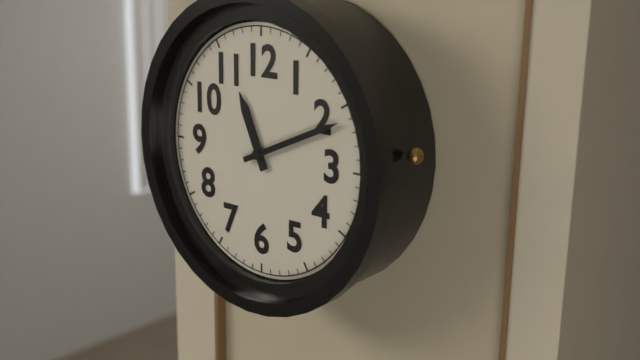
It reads 11 h 11 min
